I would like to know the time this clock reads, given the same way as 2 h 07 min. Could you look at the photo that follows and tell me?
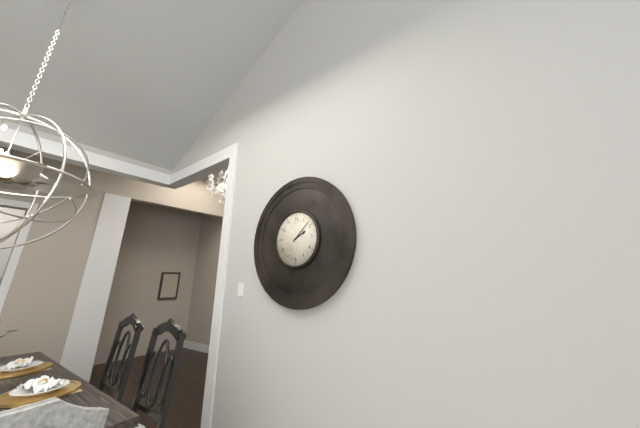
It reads 2 h 08 min
